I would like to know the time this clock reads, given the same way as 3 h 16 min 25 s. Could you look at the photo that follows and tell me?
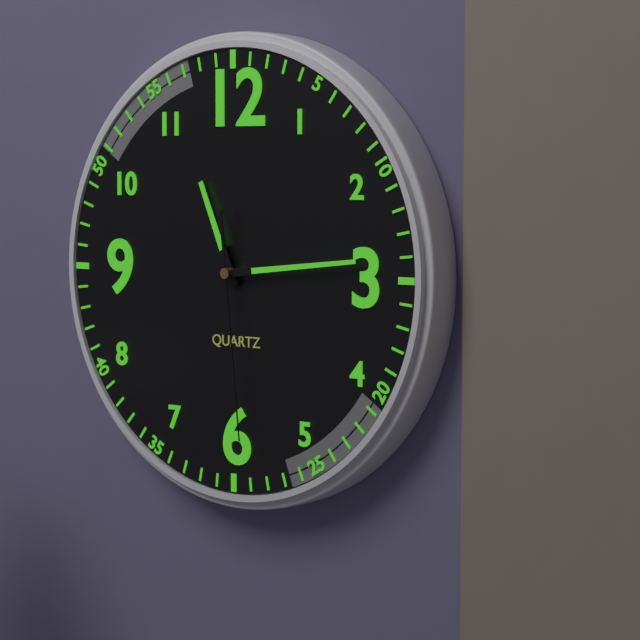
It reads 11 h 14 min 29 s
